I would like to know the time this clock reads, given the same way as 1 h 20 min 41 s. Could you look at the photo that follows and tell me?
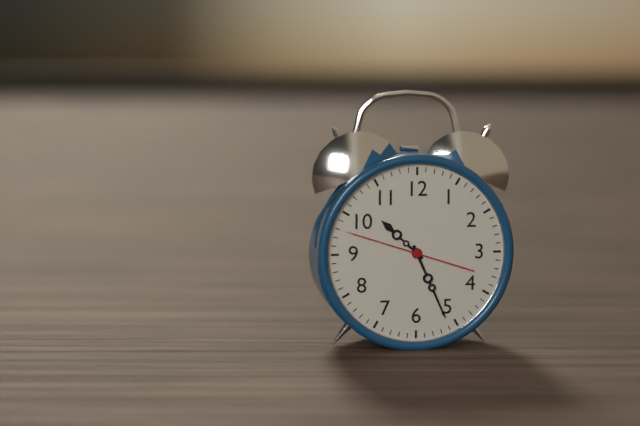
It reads 10 h 26 min 48 s
